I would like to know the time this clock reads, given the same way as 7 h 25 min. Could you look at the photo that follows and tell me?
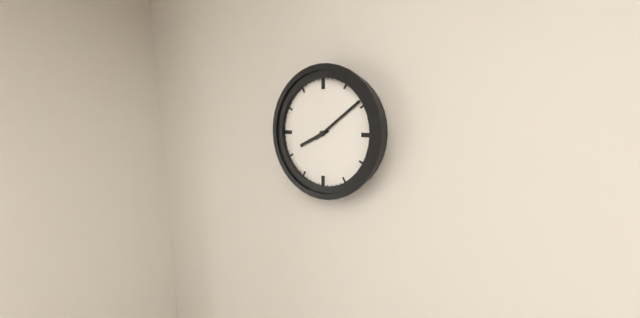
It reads 8 h 09 min
